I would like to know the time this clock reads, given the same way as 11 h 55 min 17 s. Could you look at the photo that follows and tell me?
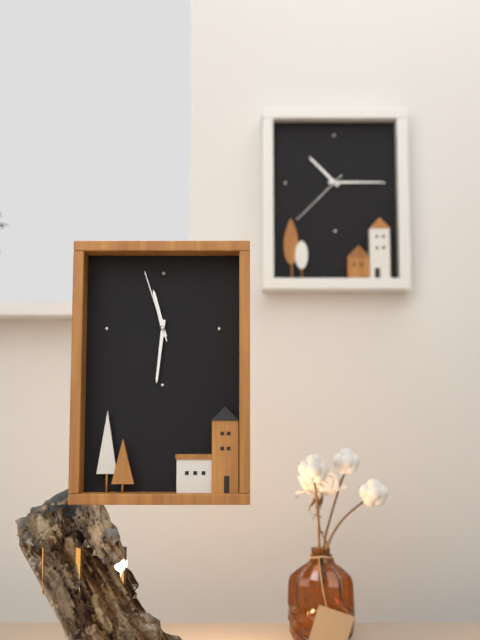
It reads 11 h 31 min 57 s
